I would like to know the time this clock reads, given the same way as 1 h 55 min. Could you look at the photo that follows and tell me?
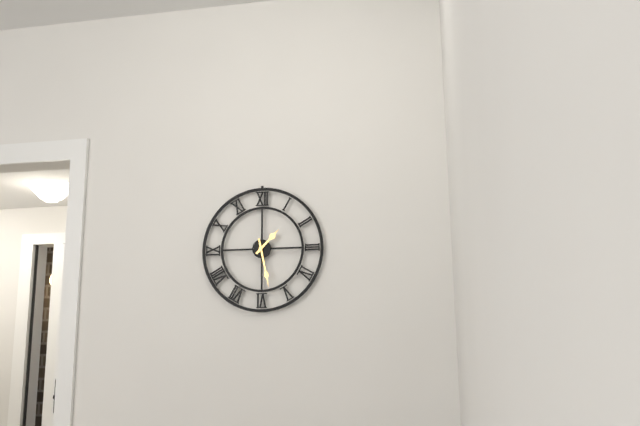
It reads 1 h 28 min
